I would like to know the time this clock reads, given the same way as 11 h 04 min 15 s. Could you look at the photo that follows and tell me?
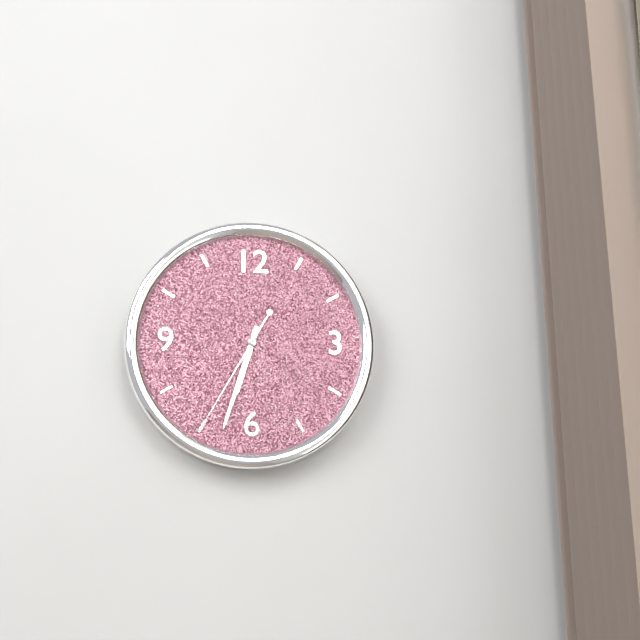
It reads 6 h 33 min 35 s
